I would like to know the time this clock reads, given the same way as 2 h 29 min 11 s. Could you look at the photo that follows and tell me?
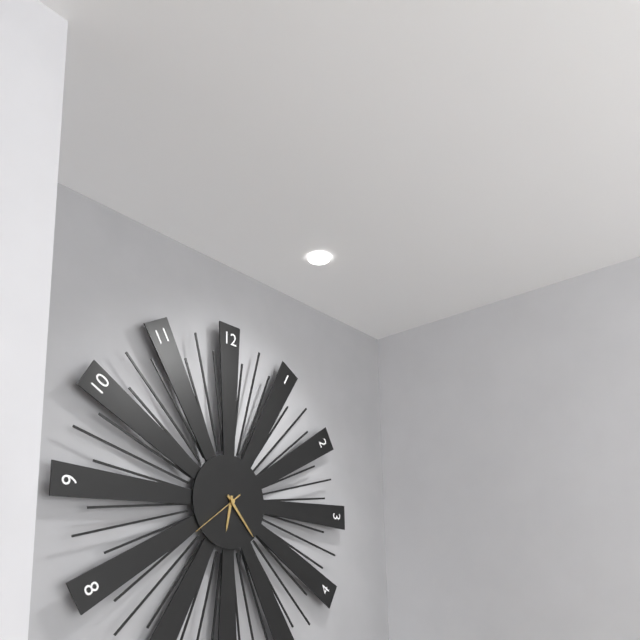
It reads 6 h 23 min 39 s
